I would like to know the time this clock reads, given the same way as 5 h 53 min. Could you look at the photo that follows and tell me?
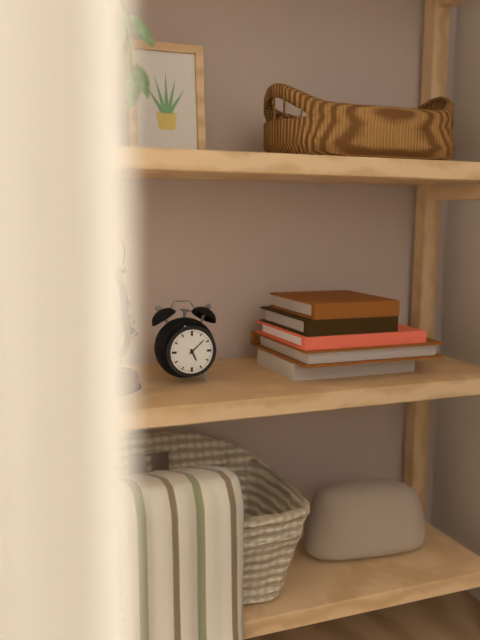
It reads 5 h 08 min
